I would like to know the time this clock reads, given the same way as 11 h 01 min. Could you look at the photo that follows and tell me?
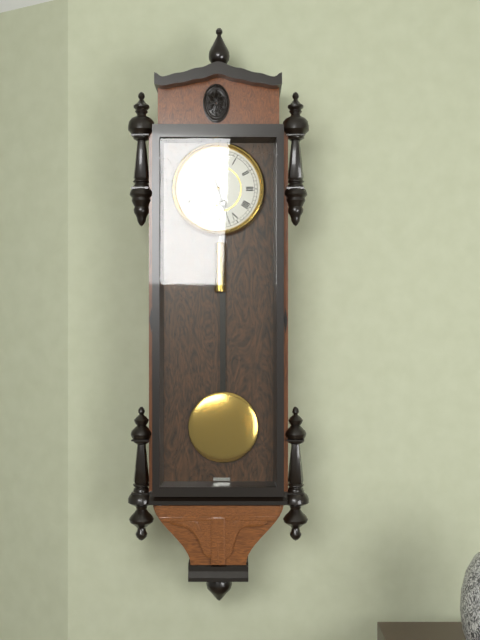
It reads 5 h 27 min
